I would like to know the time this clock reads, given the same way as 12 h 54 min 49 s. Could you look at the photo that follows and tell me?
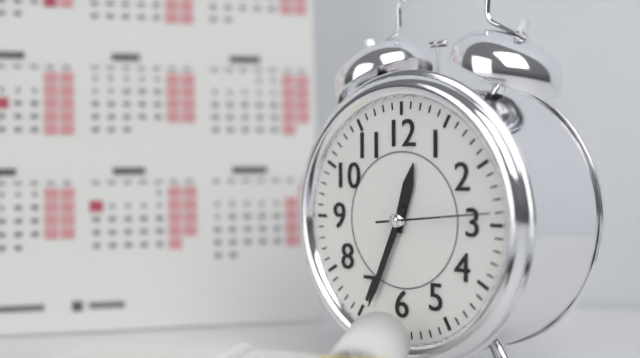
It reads 12 h 34 min 14 s
